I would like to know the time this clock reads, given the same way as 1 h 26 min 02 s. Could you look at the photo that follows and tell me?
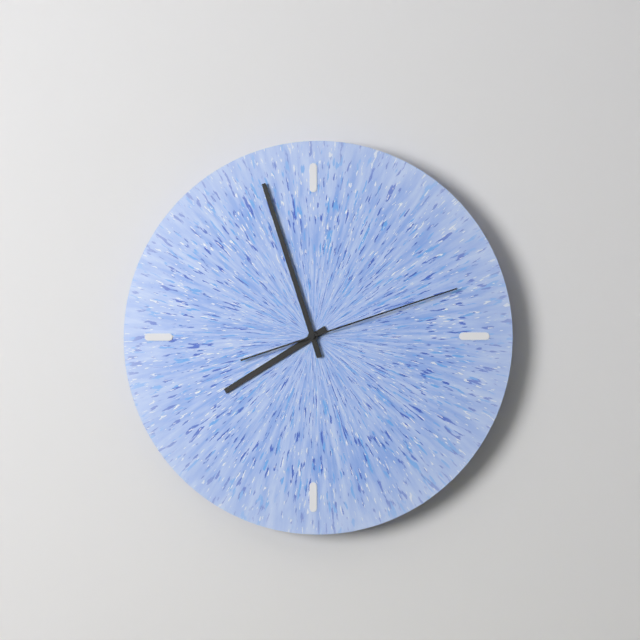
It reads 7 h 57 min 12 s
